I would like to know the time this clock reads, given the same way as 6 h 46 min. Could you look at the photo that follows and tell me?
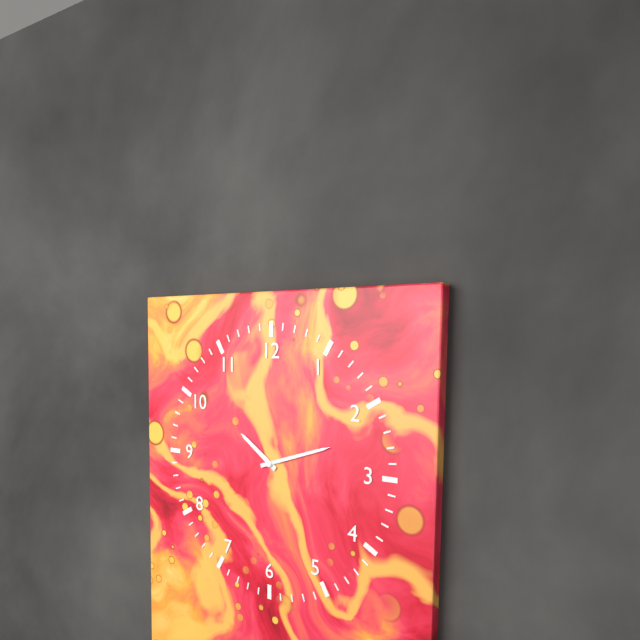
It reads 10 h 12 min
